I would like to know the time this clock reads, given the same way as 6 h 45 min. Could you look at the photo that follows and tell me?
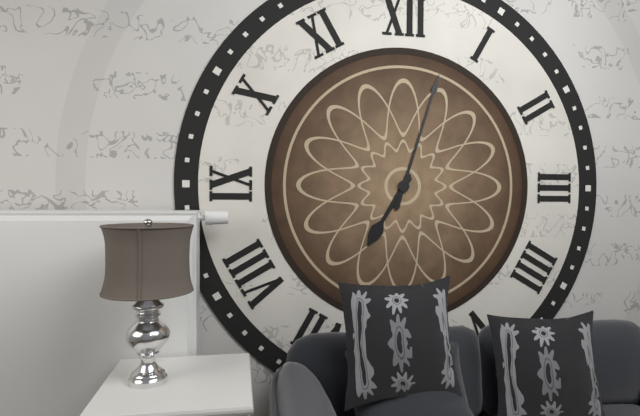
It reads 7 h 03 min
